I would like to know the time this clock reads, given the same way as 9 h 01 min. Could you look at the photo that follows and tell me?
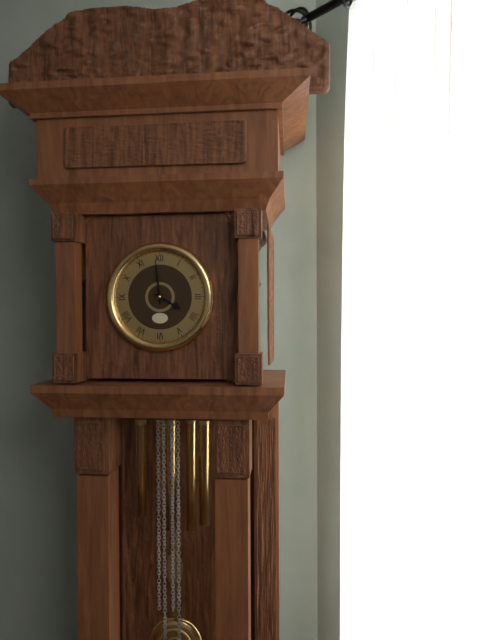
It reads 3 h 59 min
